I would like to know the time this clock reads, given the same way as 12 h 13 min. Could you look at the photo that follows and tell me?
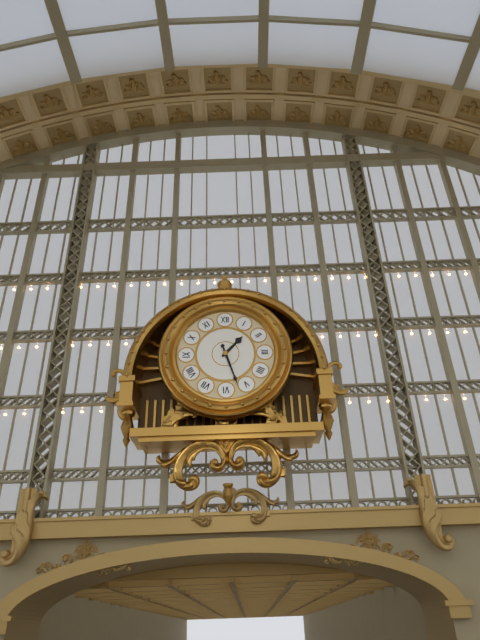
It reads 1 h 27 min
